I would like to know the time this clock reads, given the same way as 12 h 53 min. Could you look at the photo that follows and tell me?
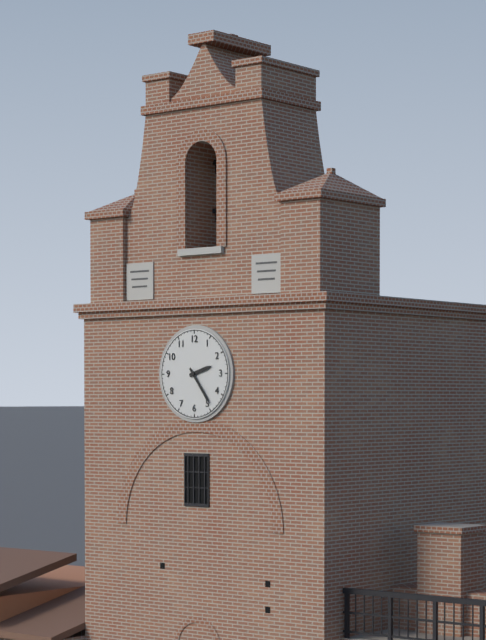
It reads 2 h 24 min
